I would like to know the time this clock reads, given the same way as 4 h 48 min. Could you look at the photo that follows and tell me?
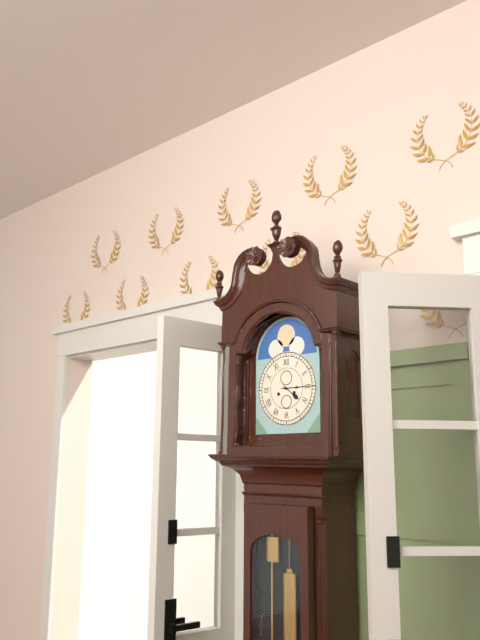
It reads 4 h 15 min
